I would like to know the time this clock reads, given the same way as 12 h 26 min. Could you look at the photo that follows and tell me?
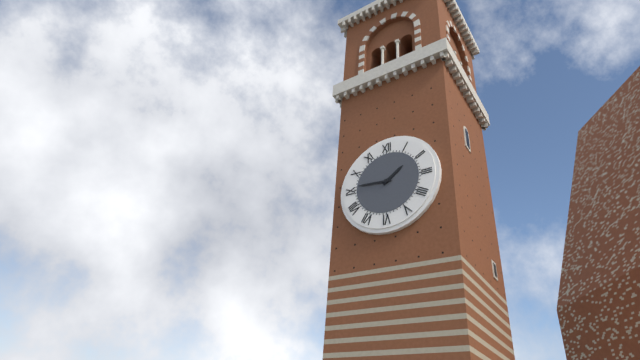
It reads 1 h 46 min
